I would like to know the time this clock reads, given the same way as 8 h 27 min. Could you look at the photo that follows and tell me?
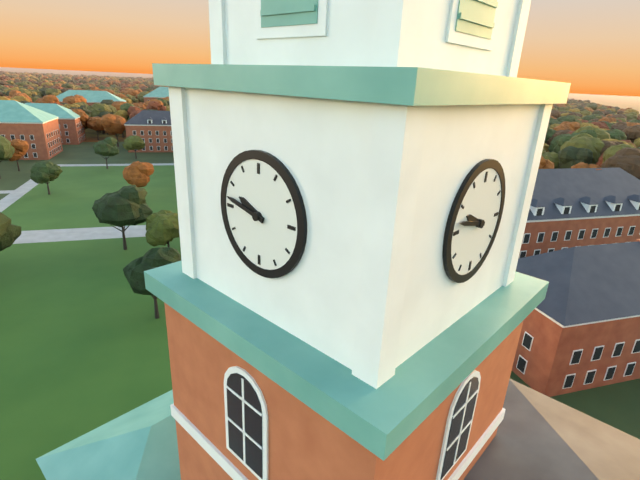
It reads 9 h 47 min
